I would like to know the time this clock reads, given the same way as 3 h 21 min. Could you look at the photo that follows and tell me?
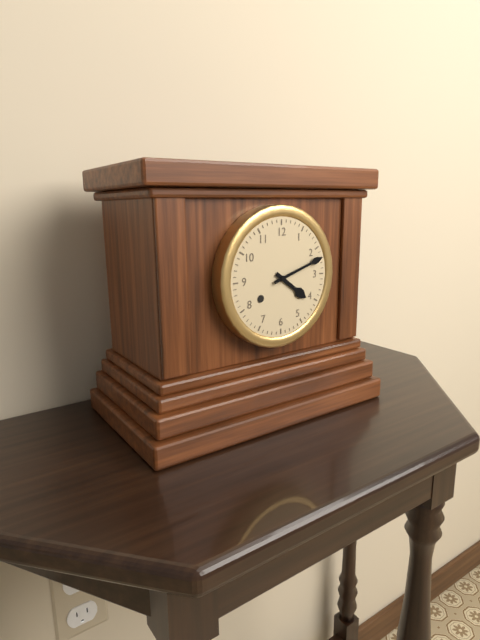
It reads 4 h 12 min
